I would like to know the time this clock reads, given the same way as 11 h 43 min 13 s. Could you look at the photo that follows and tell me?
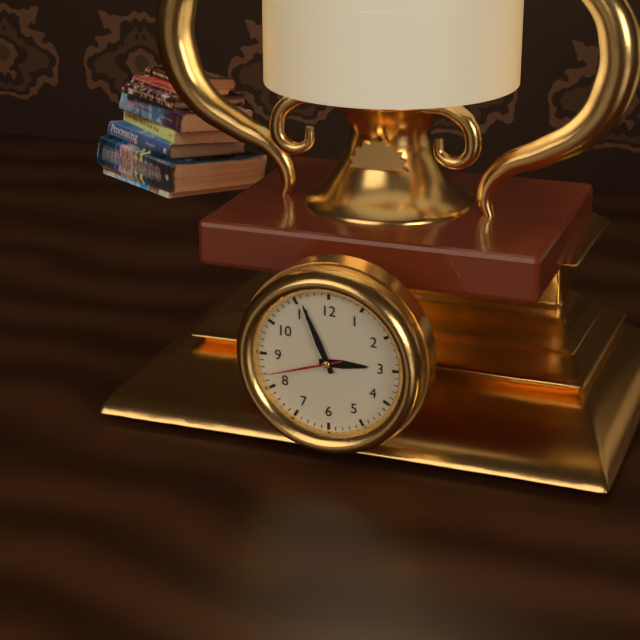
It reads 2 h 56 min 42 s
